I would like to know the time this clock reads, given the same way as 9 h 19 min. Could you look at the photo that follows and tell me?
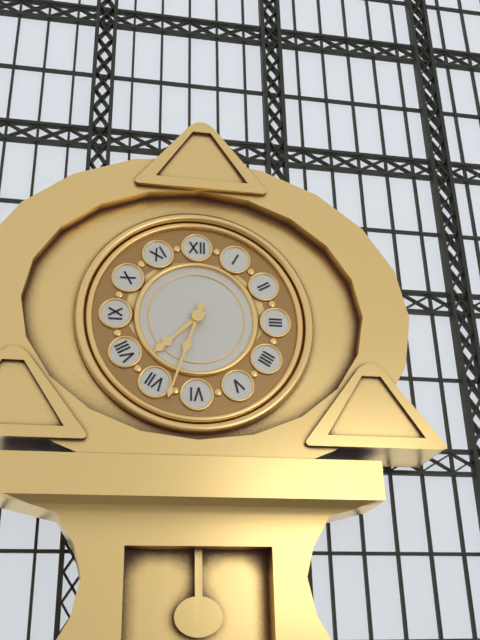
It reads 7 h 33 min
